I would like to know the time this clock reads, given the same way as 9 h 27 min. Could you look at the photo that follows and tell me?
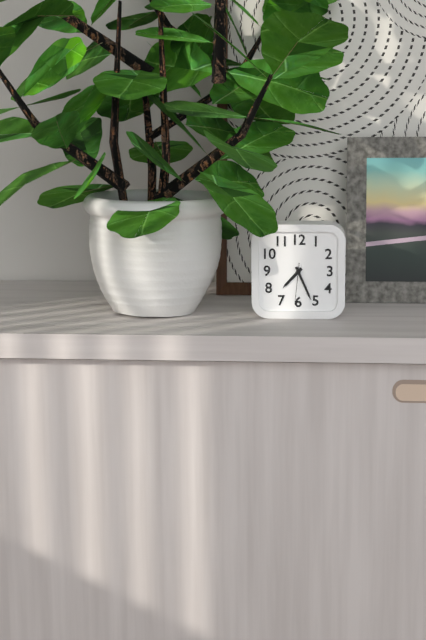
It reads 7 h 26 min
